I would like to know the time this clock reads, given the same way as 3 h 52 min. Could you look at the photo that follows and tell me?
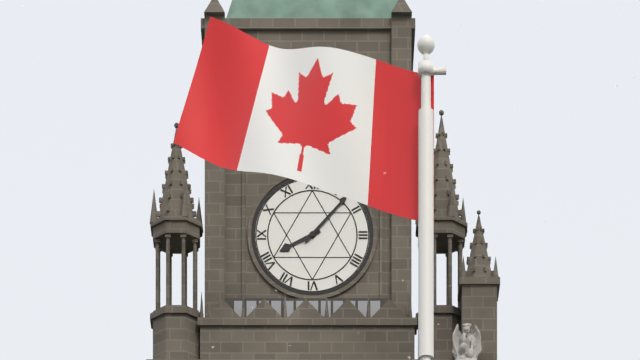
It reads 8 h 07 min
